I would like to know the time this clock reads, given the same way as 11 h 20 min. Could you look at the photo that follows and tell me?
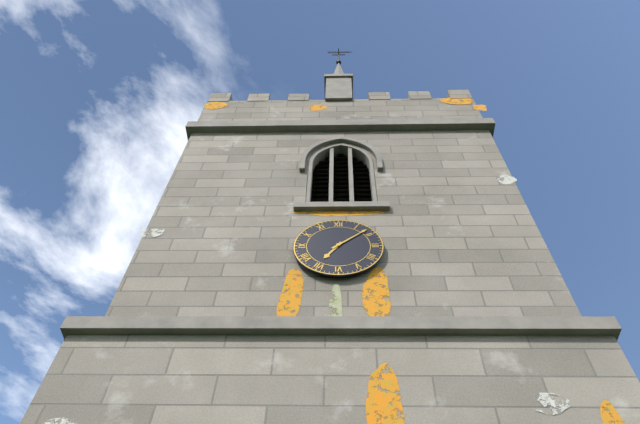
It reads 7 h 08 min
